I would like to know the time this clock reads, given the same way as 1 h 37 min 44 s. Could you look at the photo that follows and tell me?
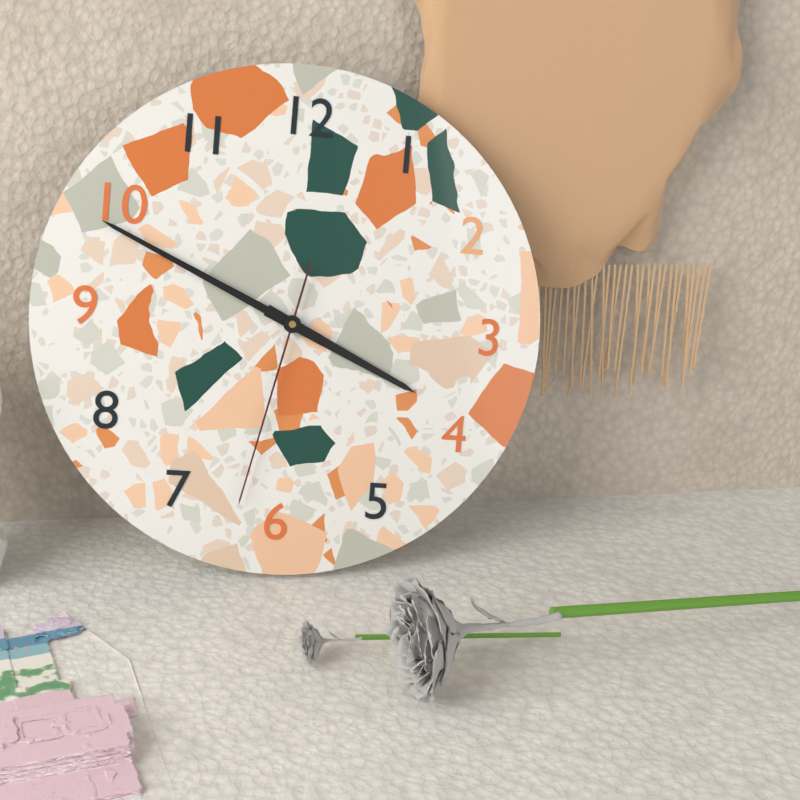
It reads 3 h 49 min 32 s
